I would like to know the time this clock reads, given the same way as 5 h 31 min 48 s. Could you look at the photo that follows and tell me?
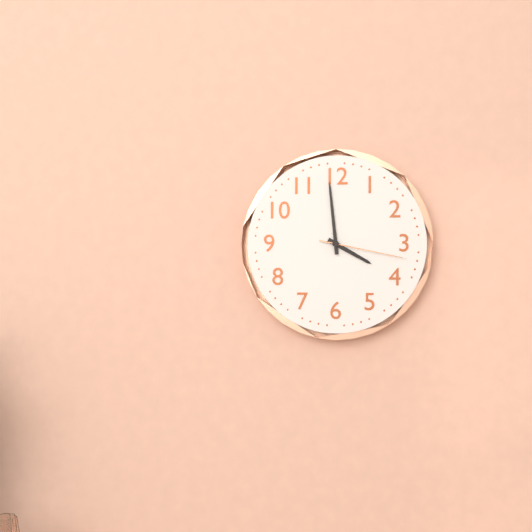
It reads 3 h 59 min 17 s
